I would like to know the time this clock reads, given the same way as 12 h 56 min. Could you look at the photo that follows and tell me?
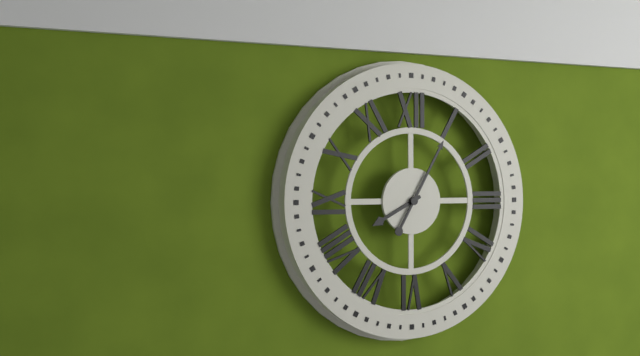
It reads 8 h 05 min
